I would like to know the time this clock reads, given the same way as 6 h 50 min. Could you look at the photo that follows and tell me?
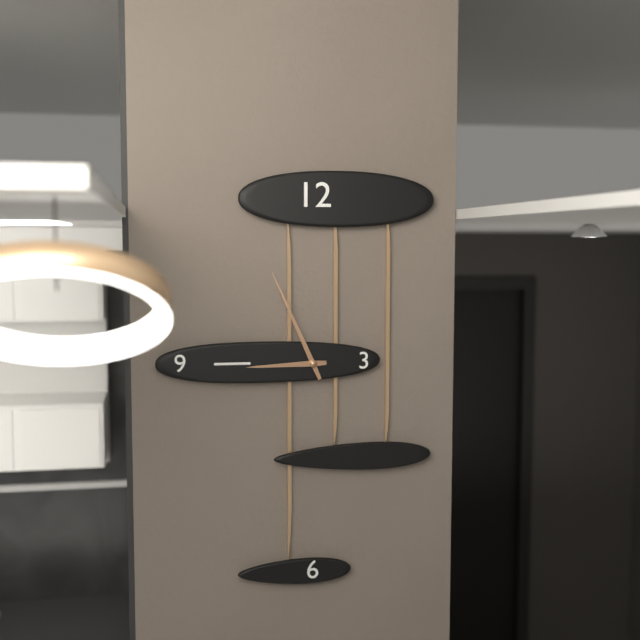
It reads 8 h 56 min
